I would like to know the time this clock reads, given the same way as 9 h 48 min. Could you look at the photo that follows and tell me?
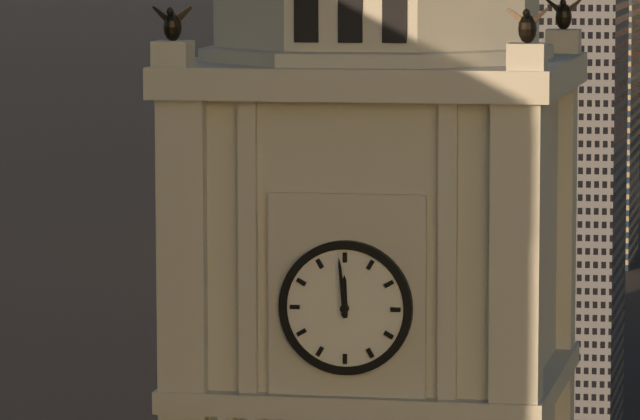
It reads 11 h 59 min
